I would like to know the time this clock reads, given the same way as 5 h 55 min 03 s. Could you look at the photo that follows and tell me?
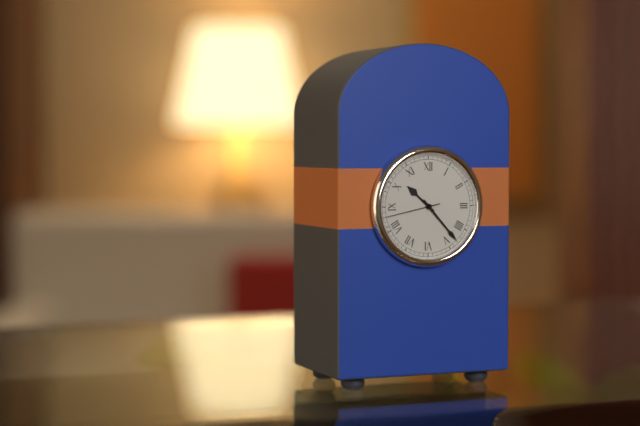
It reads 10 h 23 min 43 s
